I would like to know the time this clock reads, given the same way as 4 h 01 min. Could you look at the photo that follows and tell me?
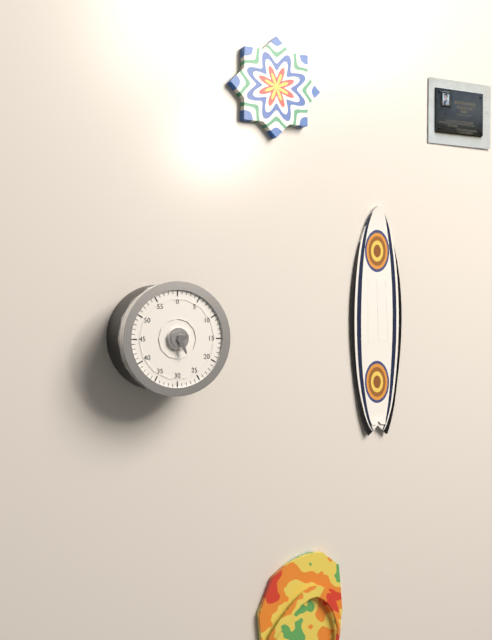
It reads 2 h 26 min
